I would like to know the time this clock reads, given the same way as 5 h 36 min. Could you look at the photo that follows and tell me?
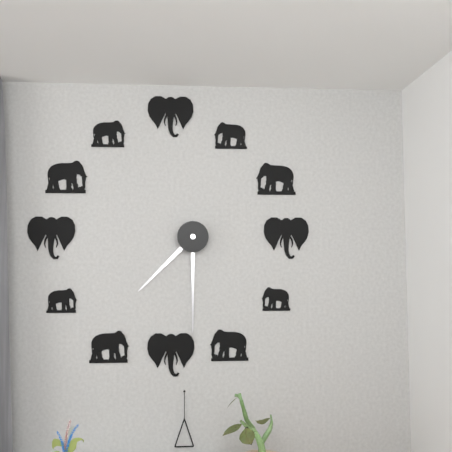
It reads 7 h 30 min
